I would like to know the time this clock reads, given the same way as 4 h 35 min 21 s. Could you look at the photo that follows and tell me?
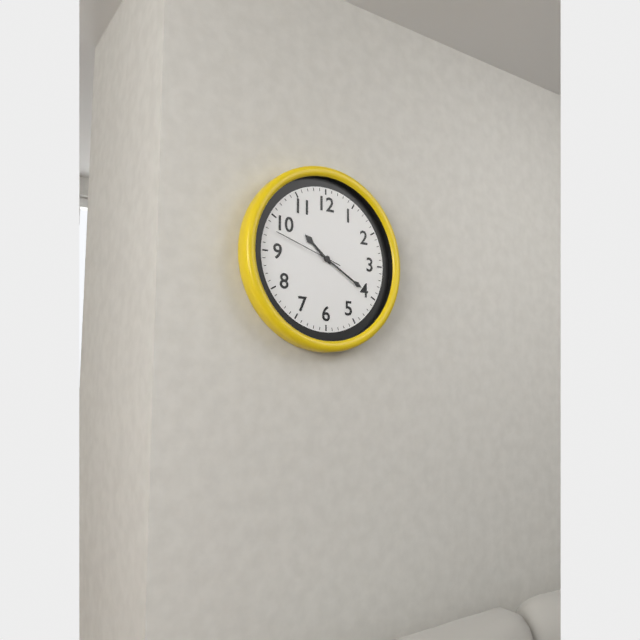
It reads 10 h 20 min 48 s
